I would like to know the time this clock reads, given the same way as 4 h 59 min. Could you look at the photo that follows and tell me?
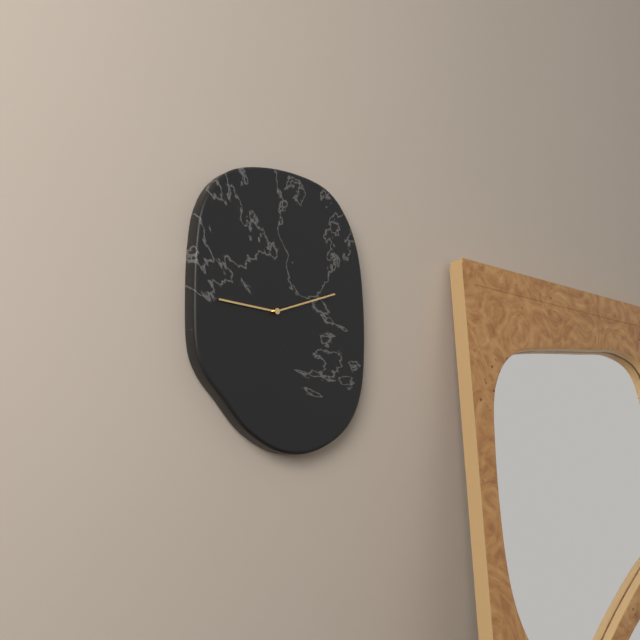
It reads 9 h 12 min
